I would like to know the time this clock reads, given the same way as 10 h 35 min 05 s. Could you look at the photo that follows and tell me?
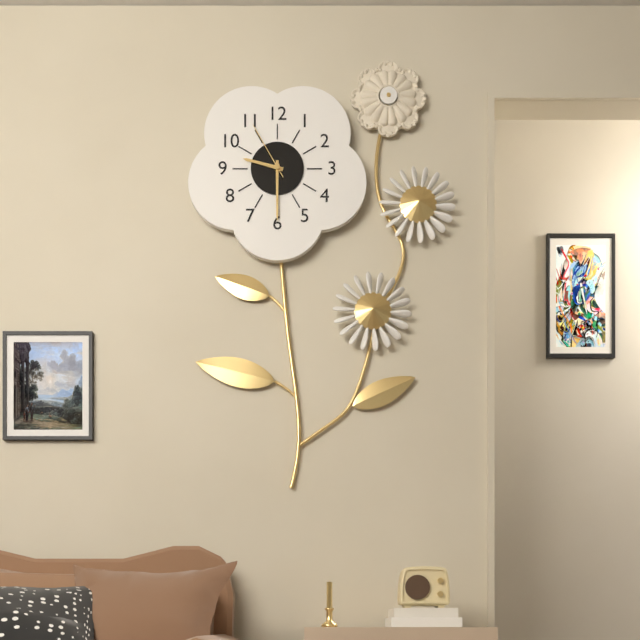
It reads 9 h 30 min 55 s
